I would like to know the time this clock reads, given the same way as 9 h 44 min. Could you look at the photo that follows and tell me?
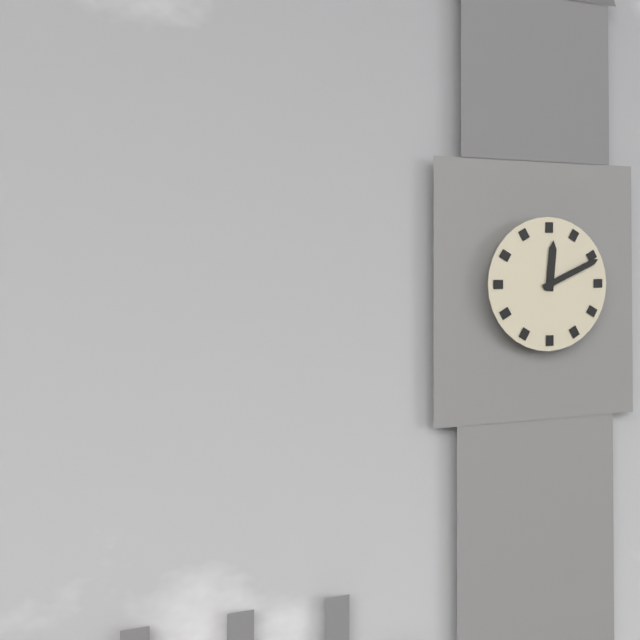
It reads 12 h 11 min
